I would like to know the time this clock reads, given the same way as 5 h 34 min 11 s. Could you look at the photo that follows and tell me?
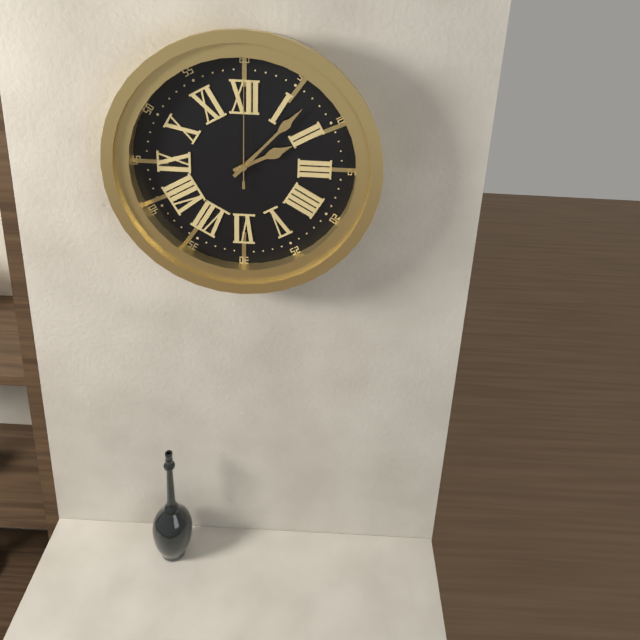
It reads 2 h 07 min 00 s
